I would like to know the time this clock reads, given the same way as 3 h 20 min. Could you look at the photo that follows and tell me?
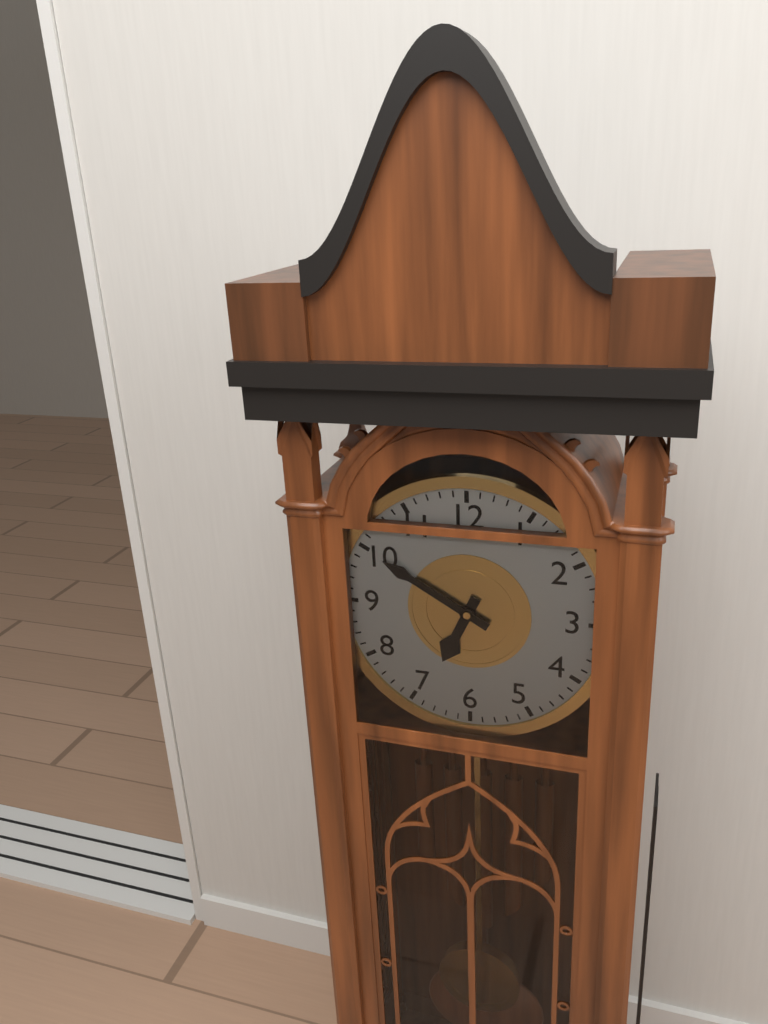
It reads 6 h 50 min
